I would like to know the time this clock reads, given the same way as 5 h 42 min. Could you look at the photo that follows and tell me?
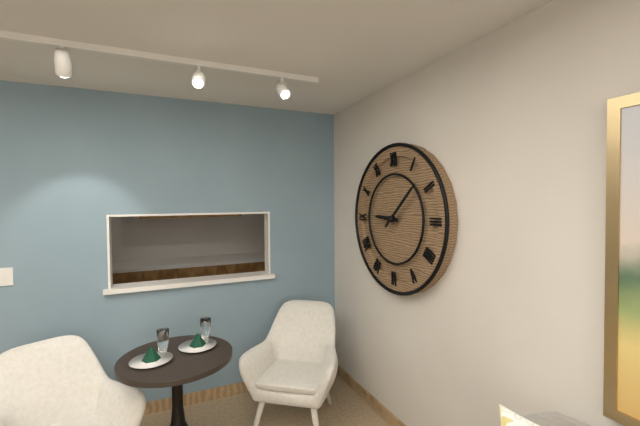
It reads 9 h 08 min
